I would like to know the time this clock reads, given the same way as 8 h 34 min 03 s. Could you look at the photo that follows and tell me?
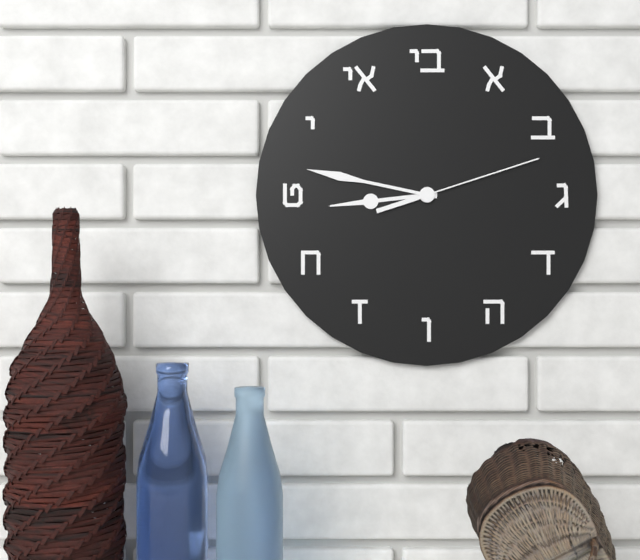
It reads 8 h 47 min 12 s
